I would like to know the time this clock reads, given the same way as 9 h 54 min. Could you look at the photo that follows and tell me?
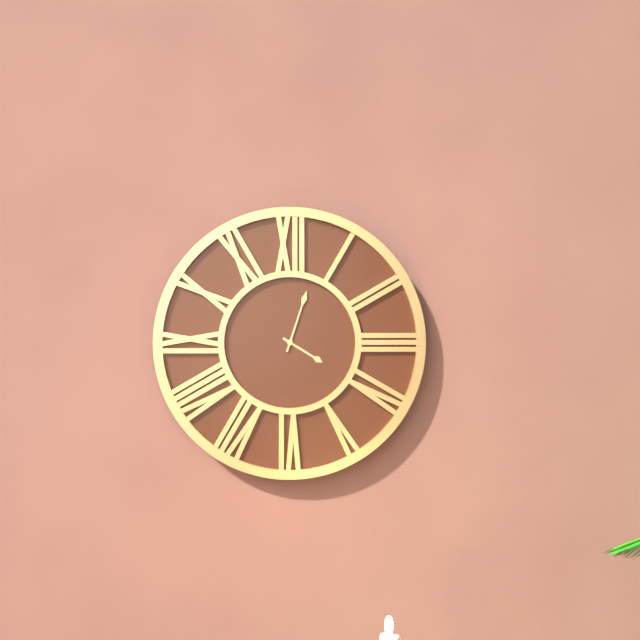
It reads 4 h 03 min
